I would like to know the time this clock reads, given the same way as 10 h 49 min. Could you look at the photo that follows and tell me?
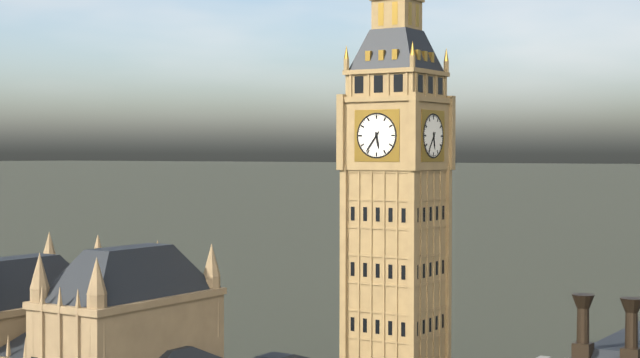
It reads 5 h 36 min
